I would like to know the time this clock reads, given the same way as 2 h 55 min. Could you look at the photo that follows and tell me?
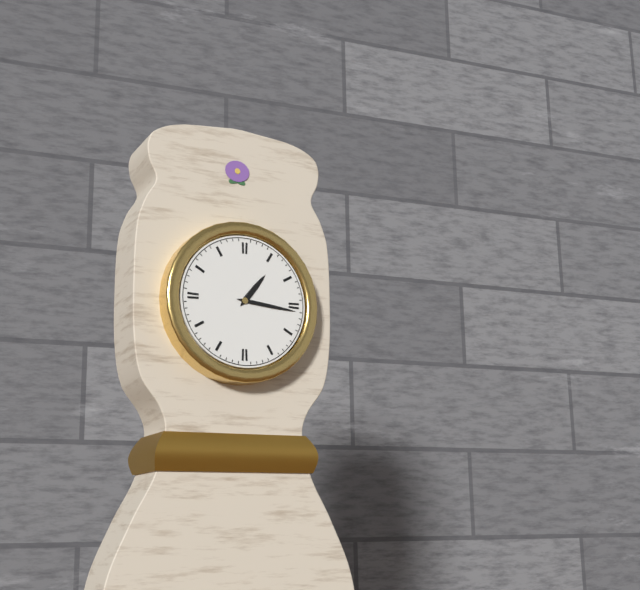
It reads 1 h 16 min
